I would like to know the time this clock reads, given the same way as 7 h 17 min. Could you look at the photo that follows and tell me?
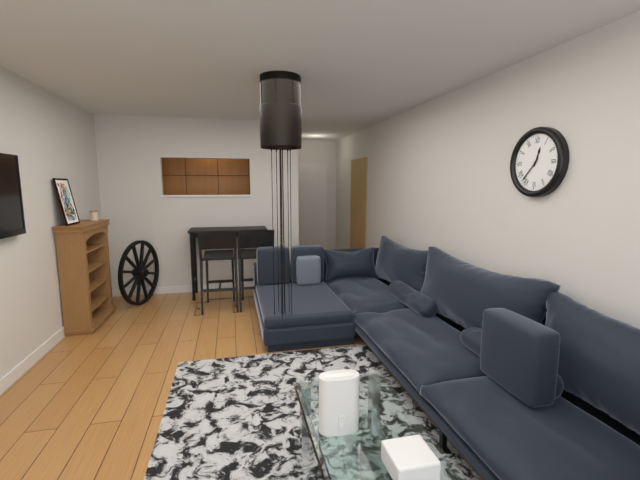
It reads 12 h 37 min
